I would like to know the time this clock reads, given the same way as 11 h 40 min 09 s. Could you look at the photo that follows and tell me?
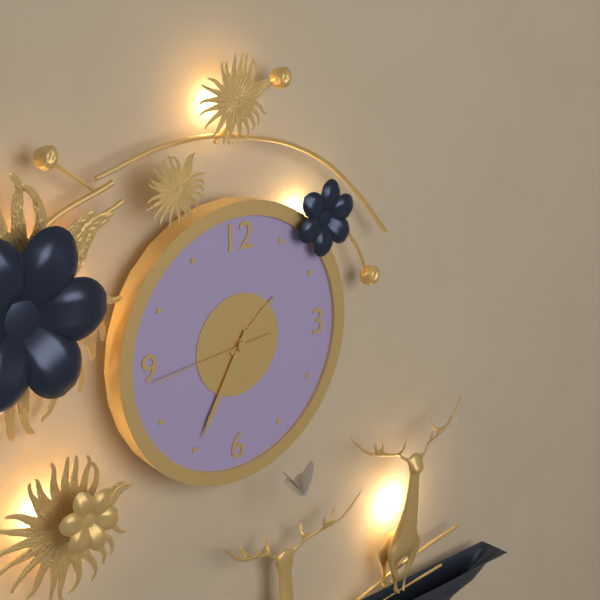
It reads 1 h 35 min 44 s
